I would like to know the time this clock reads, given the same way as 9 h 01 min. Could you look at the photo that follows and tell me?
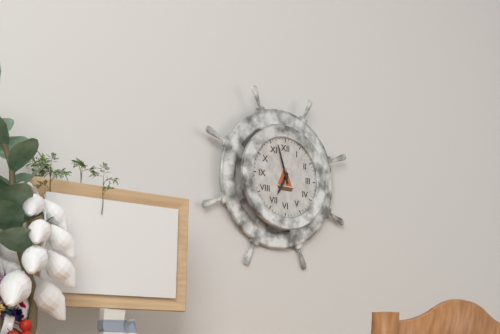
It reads 6 h 57 min
